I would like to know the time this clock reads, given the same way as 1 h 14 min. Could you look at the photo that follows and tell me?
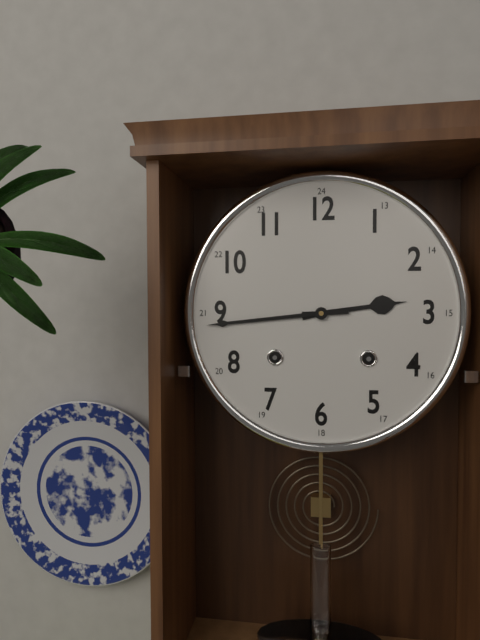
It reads 2 h 44 min
